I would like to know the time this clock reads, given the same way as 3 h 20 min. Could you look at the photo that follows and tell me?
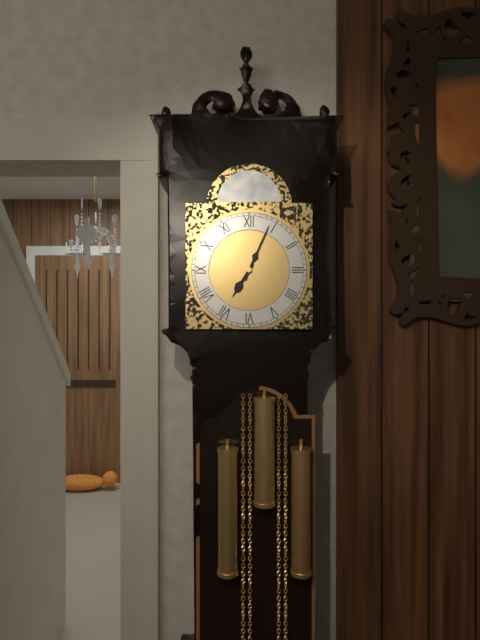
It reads 7 h 04 min
